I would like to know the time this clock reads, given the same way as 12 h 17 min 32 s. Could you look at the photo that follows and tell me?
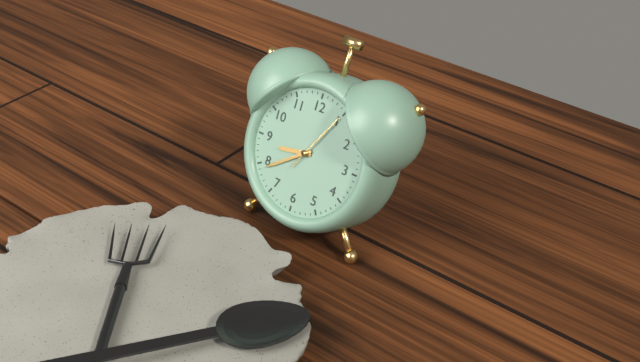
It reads 8 h 39 min 05 s
